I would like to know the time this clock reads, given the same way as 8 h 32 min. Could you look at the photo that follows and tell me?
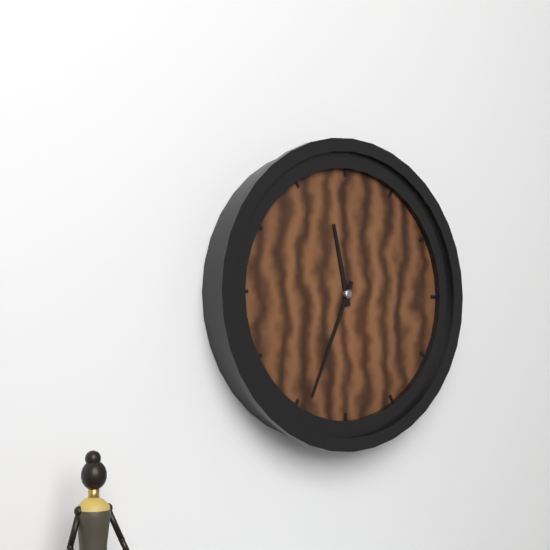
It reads 11 h 34 min
